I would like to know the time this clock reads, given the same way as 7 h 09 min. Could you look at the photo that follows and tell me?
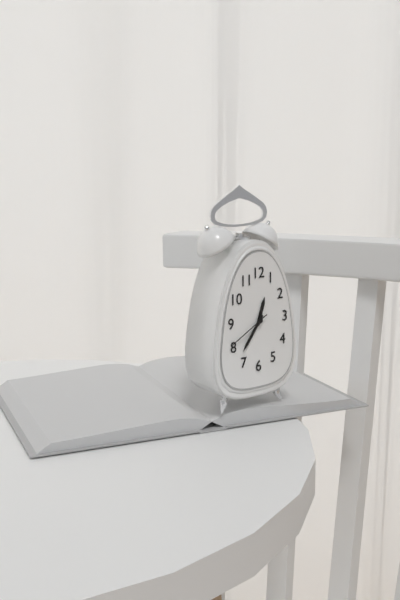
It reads 12 h 36 min
